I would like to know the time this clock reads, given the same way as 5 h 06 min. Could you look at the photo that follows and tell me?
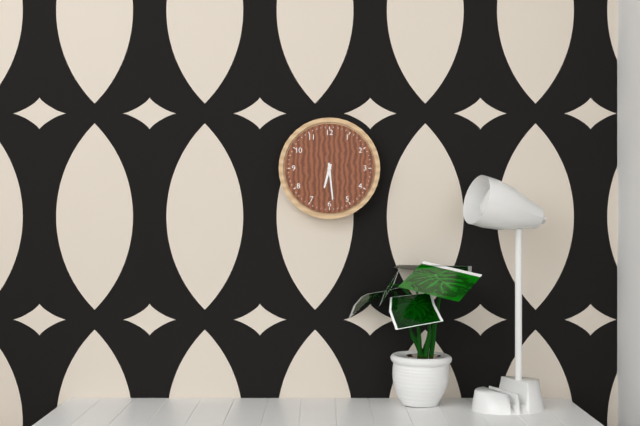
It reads 6 h 29 min
